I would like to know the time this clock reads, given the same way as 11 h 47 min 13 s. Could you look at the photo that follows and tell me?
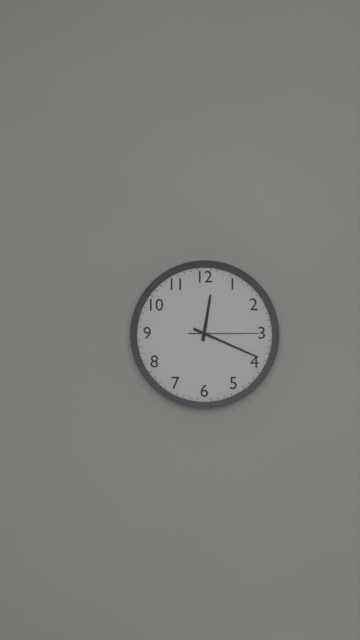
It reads 12 h 19 min 15 s
